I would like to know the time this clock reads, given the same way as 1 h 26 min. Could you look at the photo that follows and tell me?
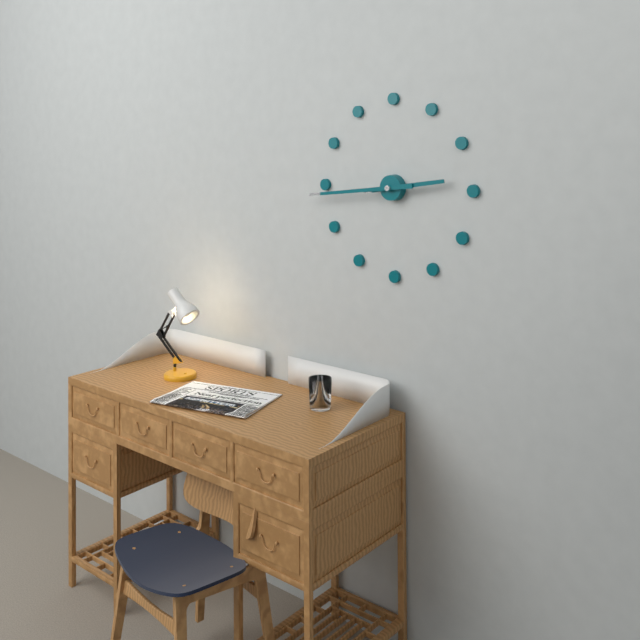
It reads 2 h 44 min
